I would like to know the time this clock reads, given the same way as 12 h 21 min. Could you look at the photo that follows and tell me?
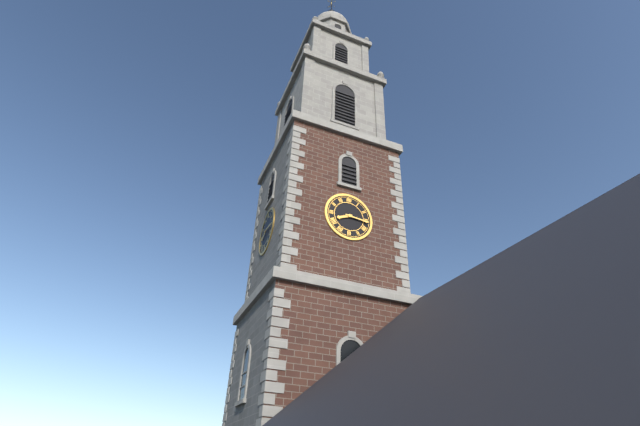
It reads 8 h 16 min
